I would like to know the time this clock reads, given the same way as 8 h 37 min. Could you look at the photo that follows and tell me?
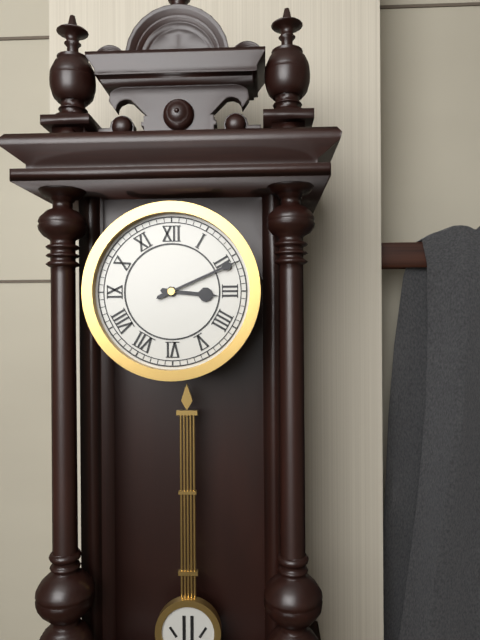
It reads 3 h 11 min
